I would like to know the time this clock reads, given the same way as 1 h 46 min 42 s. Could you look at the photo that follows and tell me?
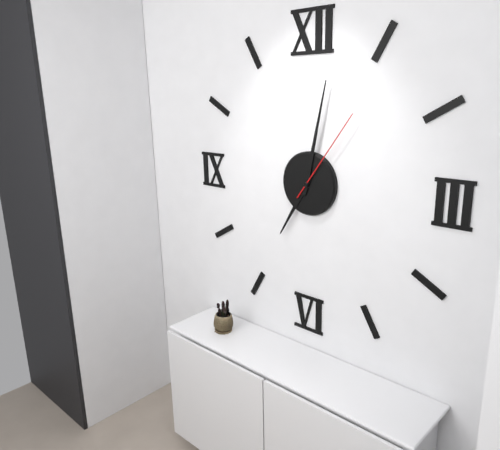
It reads 7 h 02 min 06 s
